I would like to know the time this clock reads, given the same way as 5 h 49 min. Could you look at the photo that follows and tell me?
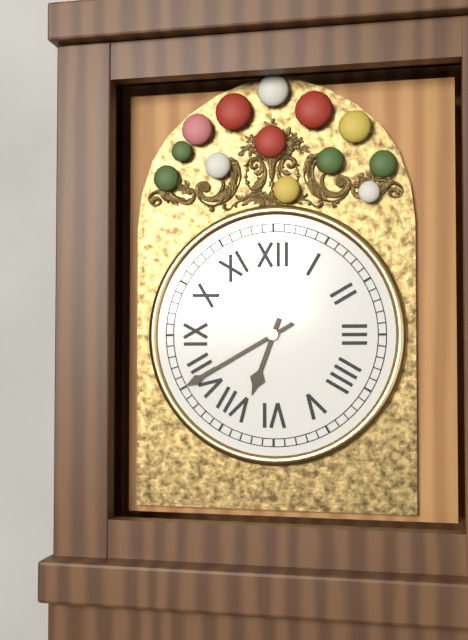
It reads 6 h 40 min
